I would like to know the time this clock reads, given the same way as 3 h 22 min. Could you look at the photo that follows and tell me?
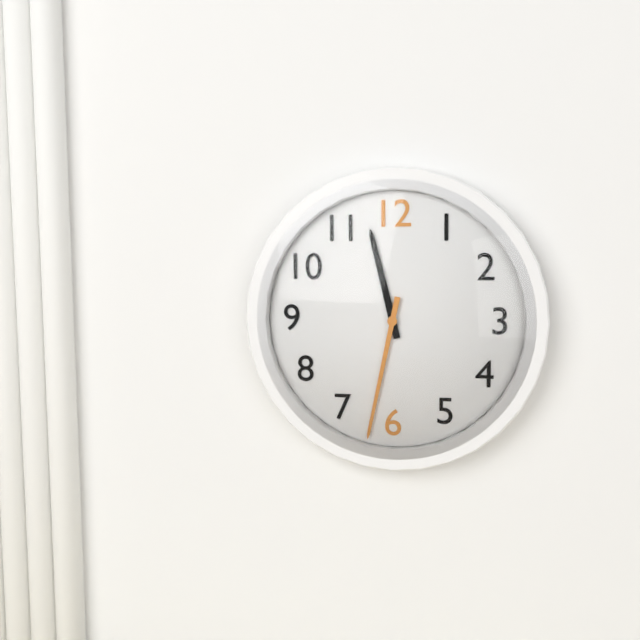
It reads 11 h 32 min
